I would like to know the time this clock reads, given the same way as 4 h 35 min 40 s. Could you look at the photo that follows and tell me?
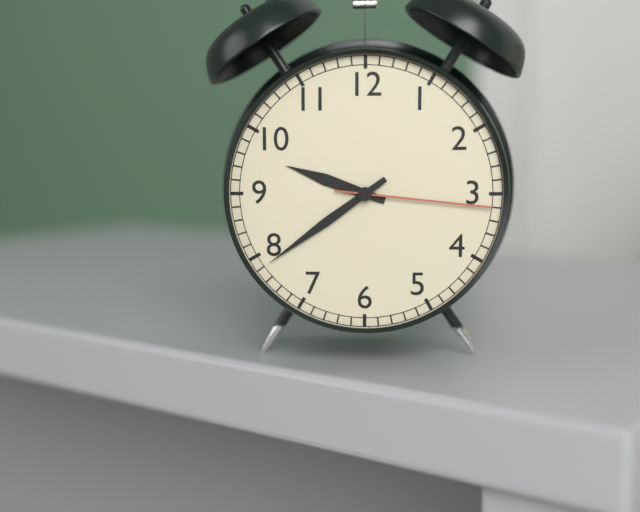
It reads 9 h 39 min 16 s
